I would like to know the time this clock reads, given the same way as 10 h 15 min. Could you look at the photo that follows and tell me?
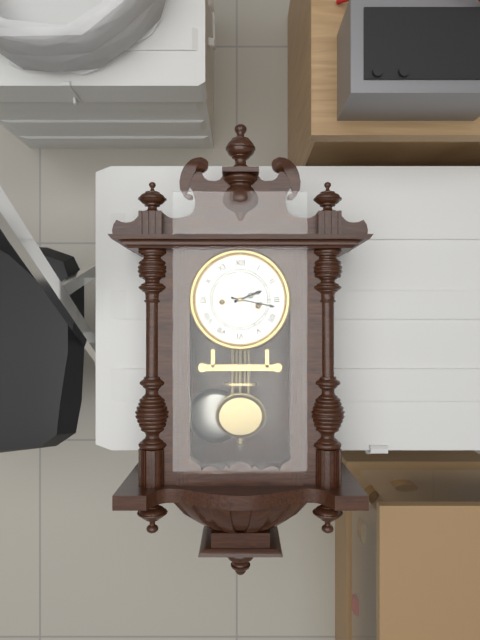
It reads 2 h 17 min
